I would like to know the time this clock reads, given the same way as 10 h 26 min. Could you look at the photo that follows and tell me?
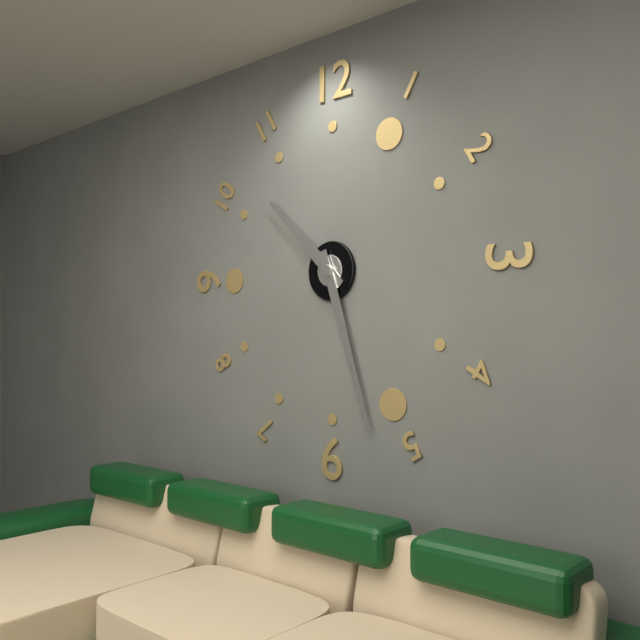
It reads 10 h 27 min
